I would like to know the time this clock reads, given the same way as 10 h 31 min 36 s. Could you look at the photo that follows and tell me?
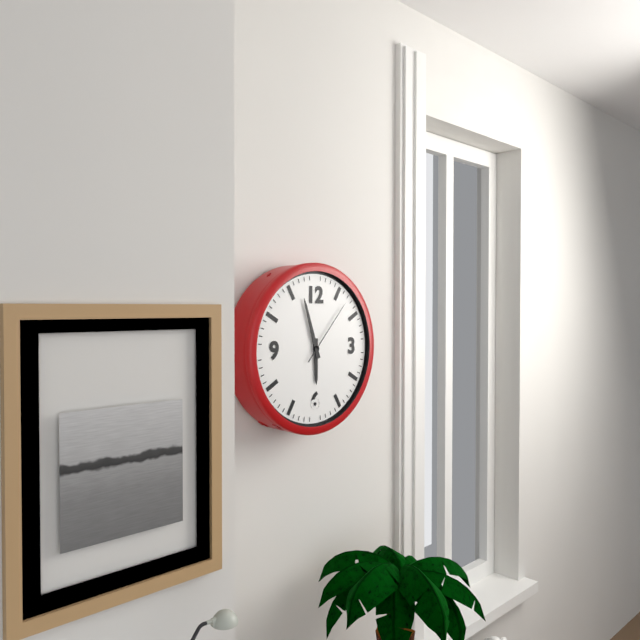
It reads 5 h 57 min 07 s
